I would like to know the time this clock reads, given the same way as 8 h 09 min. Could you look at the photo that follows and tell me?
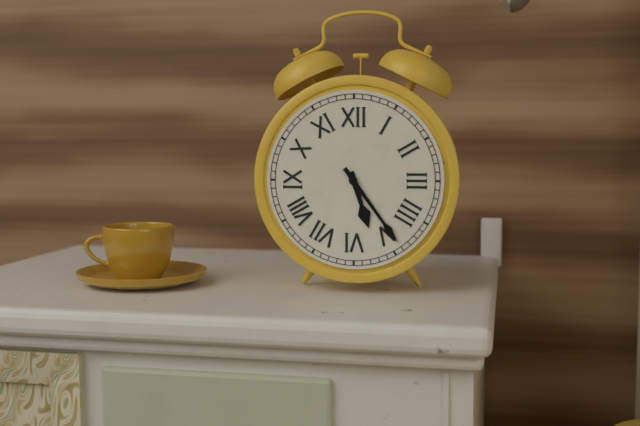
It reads 5 h 24 min
